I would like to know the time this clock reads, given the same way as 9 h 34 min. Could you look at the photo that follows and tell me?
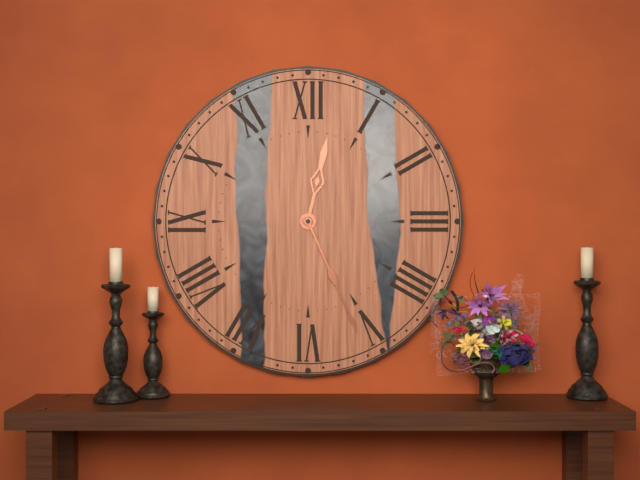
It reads 12 h 26 min
